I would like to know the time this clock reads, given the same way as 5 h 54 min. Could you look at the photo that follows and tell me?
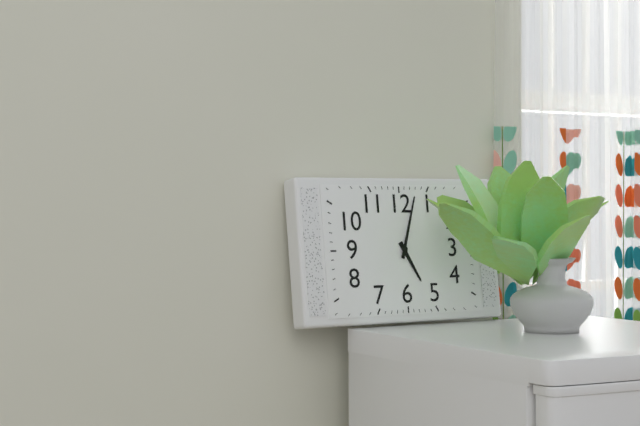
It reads 5 h 03 min
